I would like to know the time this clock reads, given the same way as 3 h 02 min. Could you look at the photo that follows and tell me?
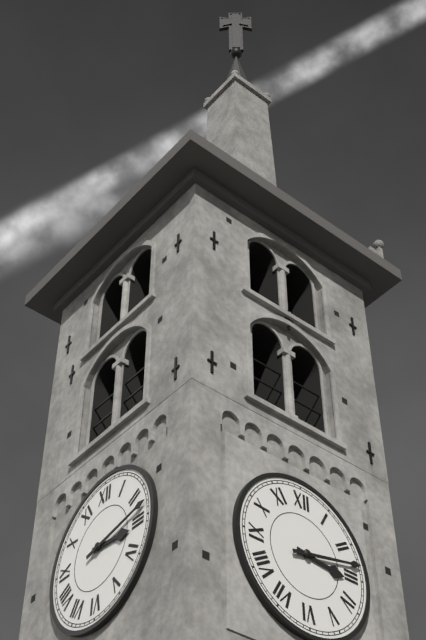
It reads 3 h 13 min
